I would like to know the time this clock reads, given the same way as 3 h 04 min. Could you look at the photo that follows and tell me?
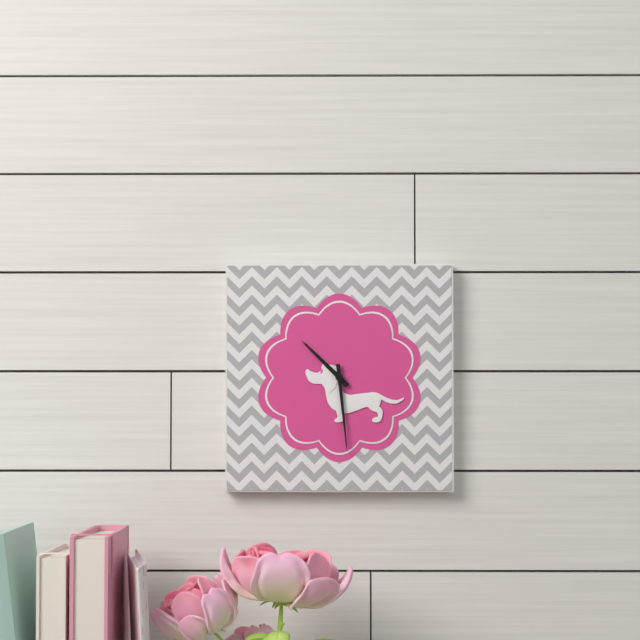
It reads 10 h 29 min
